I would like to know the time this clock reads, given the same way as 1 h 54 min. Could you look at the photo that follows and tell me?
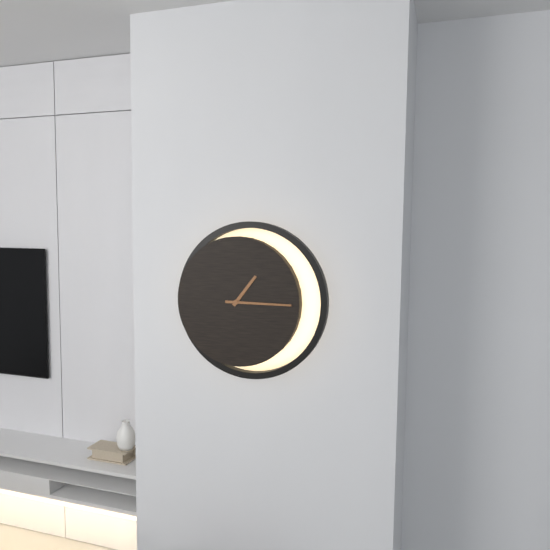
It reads 1 h 15 min
